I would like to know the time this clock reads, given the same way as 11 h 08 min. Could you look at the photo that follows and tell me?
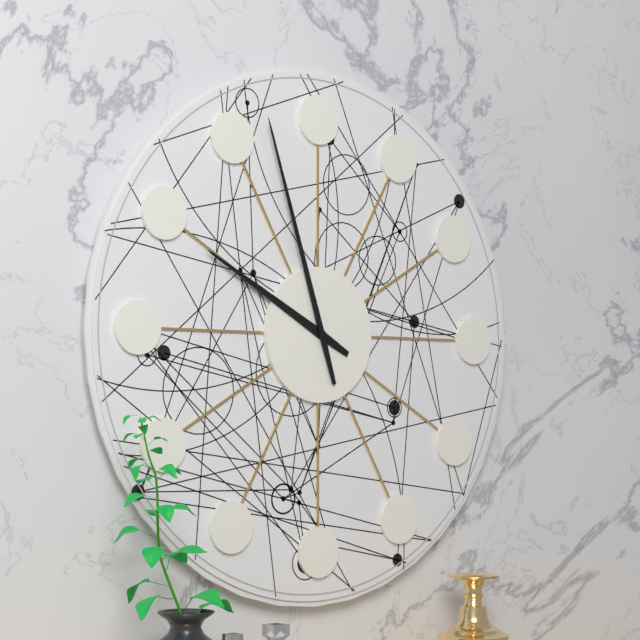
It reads 9 h 57 min
